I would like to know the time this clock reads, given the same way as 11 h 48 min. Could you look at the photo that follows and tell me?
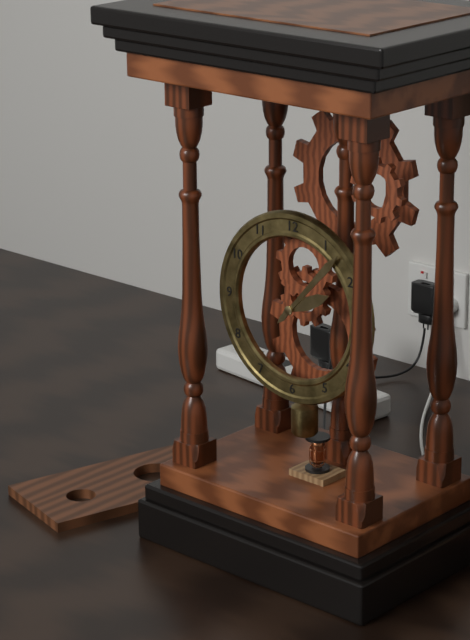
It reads 2 h 07 min
